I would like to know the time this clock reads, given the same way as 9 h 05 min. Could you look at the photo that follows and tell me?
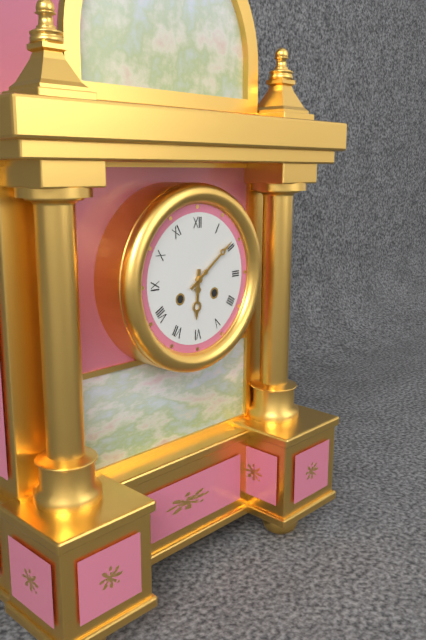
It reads 6 h 09 min
